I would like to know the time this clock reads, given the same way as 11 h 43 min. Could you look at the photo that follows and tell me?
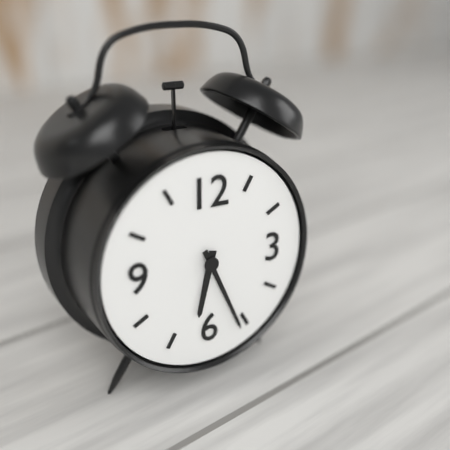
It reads 6 h 26 min
